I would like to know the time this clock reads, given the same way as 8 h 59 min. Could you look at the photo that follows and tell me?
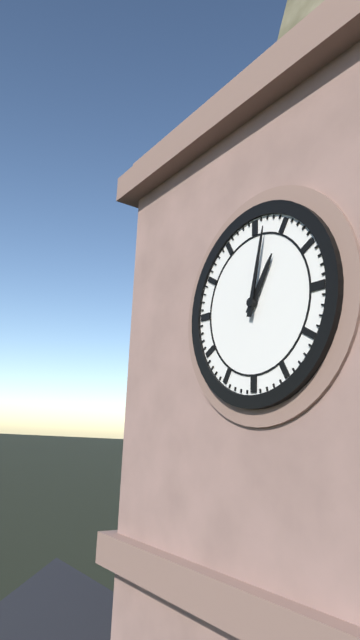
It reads 1 h 02 min
